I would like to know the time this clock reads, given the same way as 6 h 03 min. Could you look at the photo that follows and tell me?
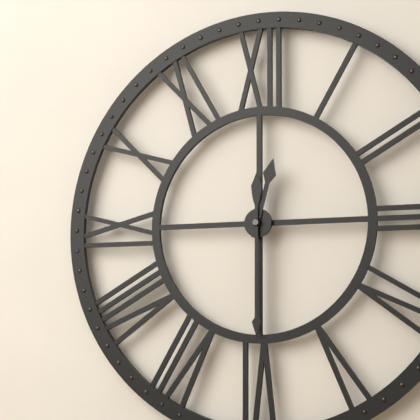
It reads 12 h 30 min
